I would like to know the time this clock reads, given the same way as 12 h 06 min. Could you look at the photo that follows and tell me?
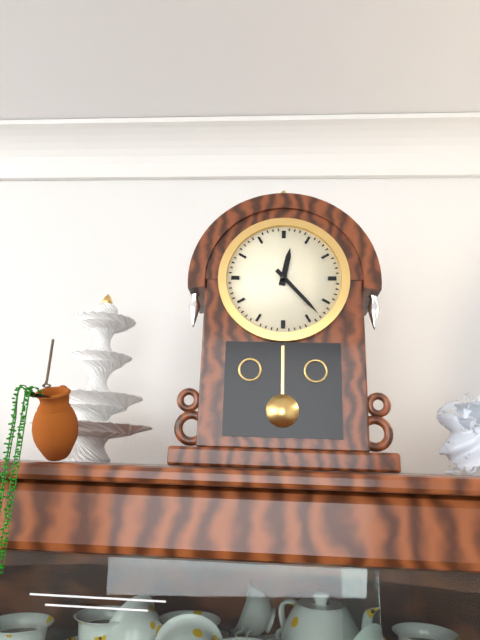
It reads 12 h 23 min
